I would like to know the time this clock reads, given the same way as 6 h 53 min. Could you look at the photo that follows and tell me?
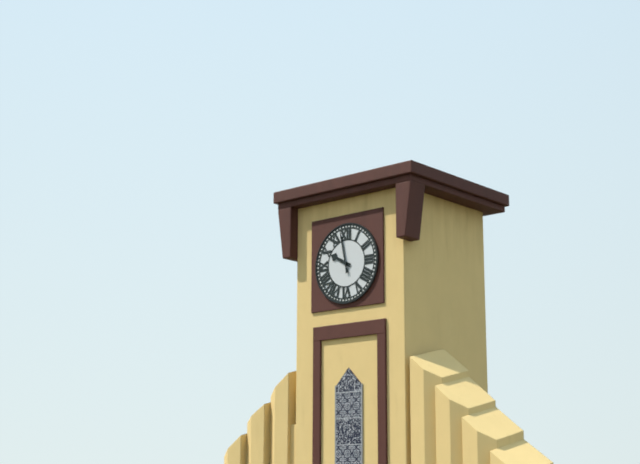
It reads 9 h 58 min
